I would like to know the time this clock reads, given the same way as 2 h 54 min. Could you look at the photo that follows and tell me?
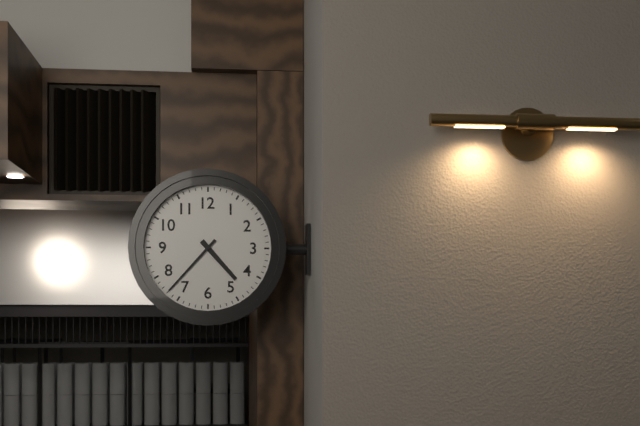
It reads 4 h 37 min
